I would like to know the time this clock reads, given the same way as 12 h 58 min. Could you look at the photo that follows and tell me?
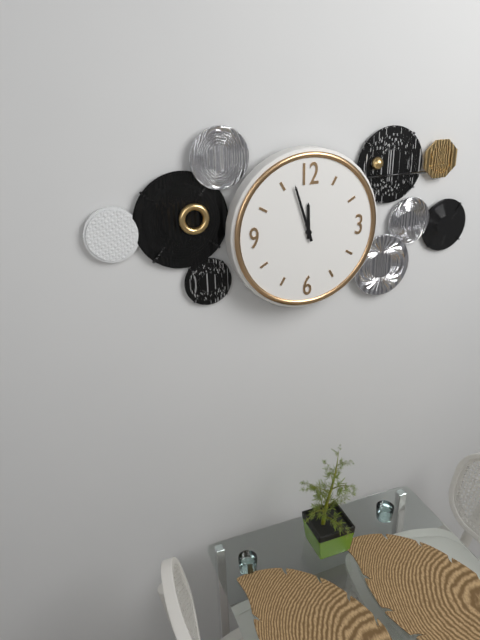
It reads 11 h 57 min
